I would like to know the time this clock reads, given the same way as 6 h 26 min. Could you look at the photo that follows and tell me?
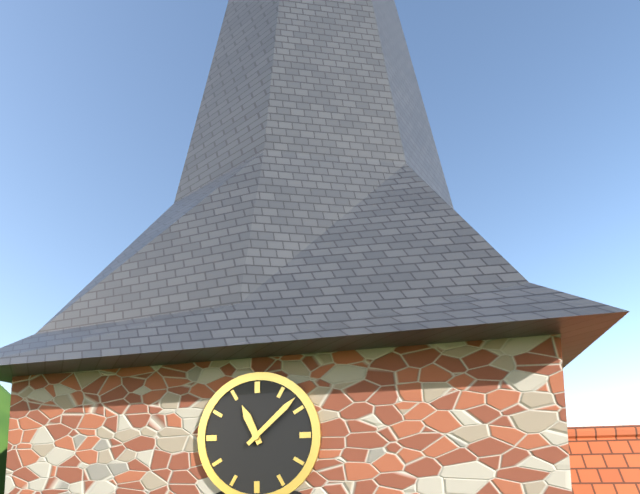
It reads 11 h 08 min
